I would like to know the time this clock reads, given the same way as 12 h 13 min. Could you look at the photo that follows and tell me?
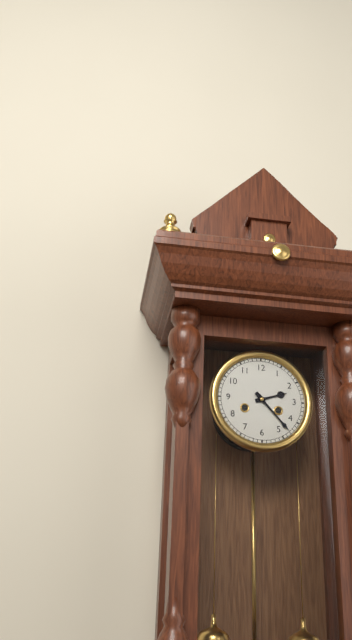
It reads 2 h 23 min
